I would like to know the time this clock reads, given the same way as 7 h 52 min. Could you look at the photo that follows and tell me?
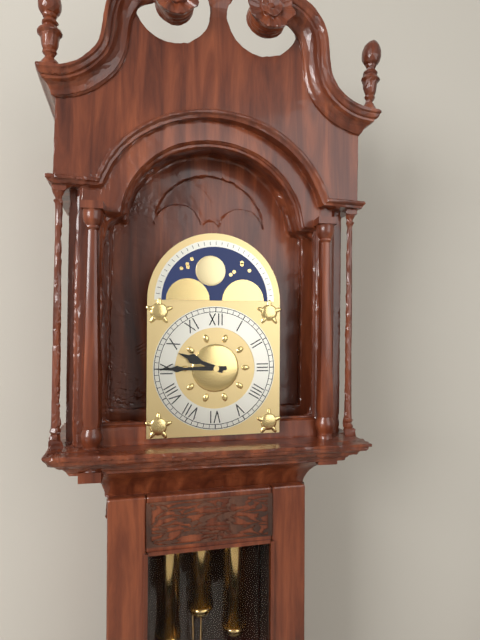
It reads 9 h 45 min
